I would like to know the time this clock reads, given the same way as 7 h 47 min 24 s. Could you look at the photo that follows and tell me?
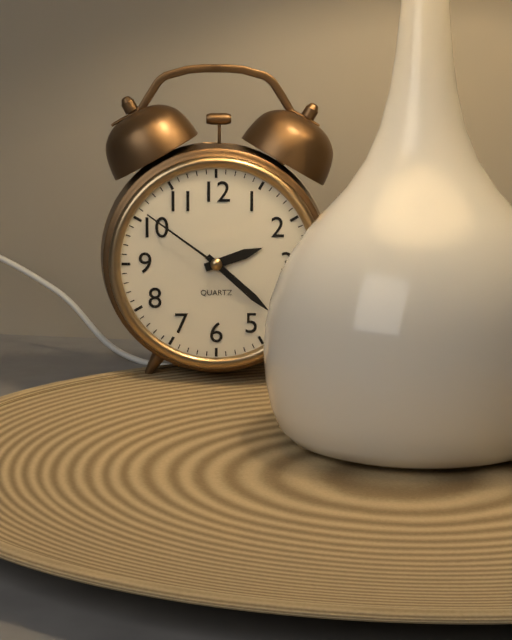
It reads 2 h 22 min 51 s
